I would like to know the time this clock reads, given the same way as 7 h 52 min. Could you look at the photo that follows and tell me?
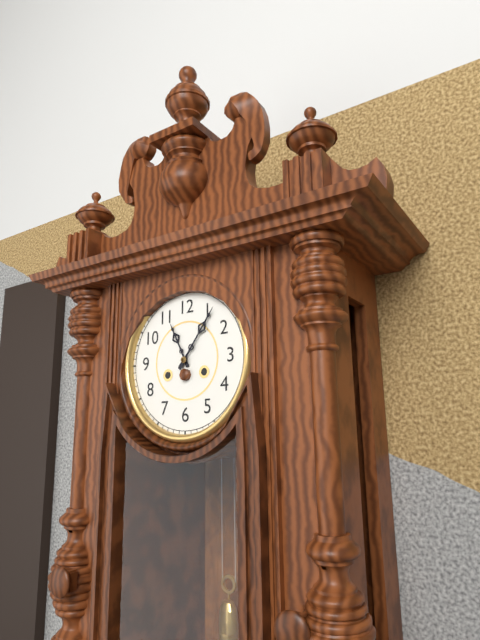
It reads 11 h 06 min
